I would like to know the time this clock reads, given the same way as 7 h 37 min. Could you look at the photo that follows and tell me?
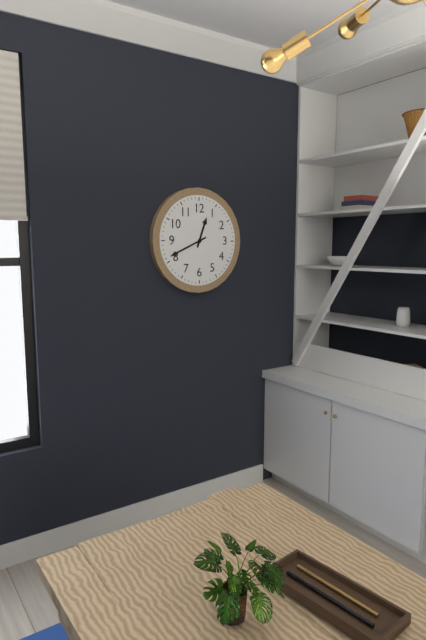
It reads 12 h 41 min
